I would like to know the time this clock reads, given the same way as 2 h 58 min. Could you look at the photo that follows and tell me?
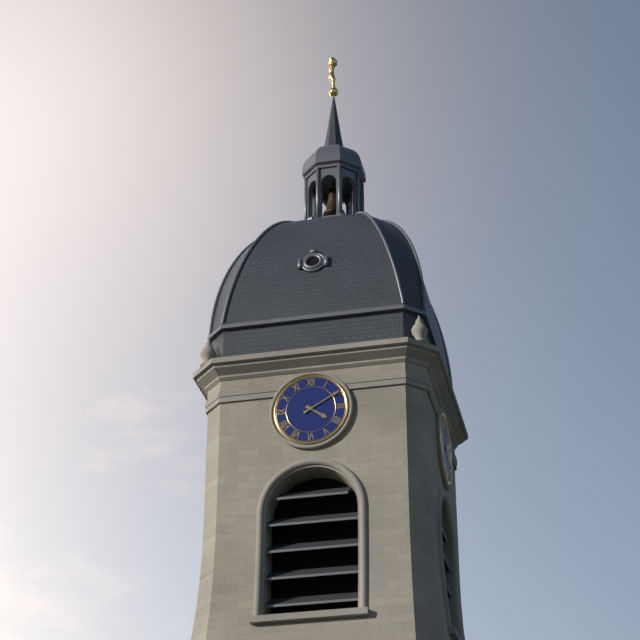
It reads 4 h 10 min
